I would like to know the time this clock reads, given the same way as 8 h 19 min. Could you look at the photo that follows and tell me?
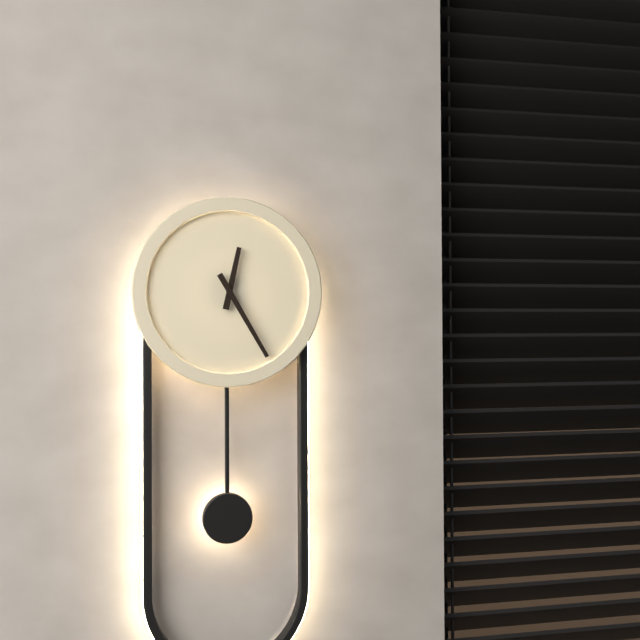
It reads 12 h 25 min
